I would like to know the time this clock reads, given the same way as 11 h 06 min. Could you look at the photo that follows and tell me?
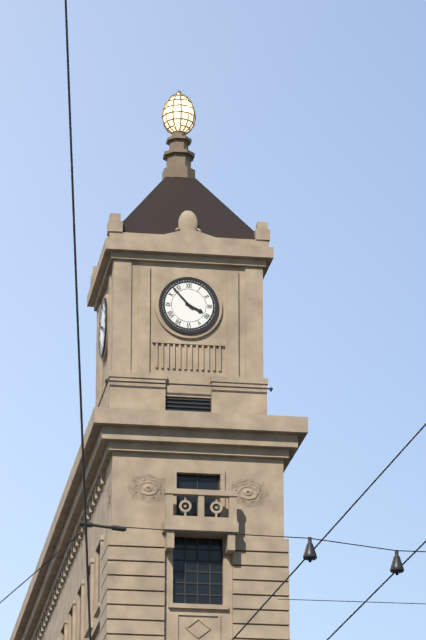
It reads 3 h 53 min
